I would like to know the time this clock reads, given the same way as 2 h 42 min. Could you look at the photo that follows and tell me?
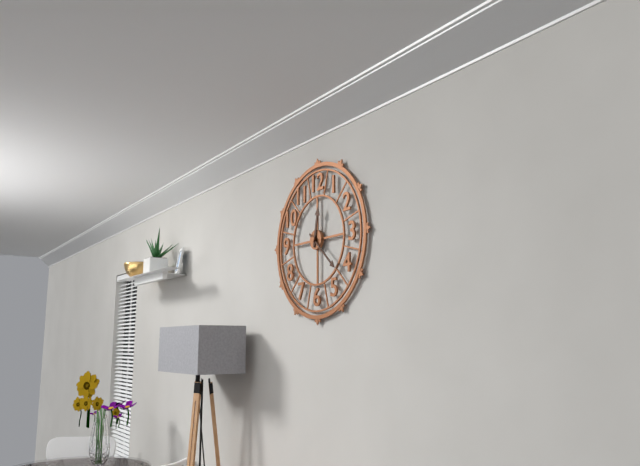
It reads 12 h 22 min
